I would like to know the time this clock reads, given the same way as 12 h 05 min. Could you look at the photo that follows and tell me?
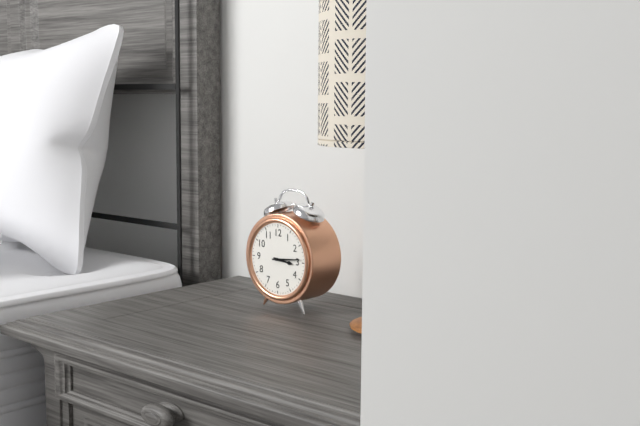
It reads 3 h 14 min
